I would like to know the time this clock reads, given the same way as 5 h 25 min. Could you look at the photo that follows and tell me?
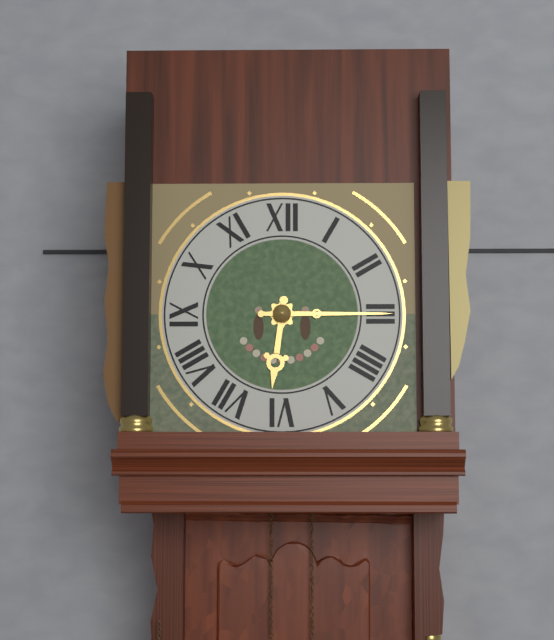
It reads 6 h 15 min
